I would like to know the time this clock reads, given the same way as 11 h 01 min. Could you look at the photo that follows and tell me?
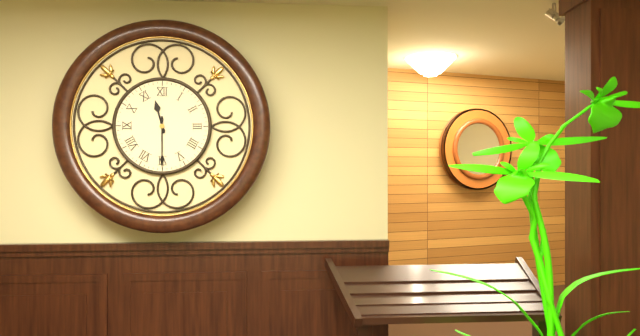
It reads 11 h 30 min
